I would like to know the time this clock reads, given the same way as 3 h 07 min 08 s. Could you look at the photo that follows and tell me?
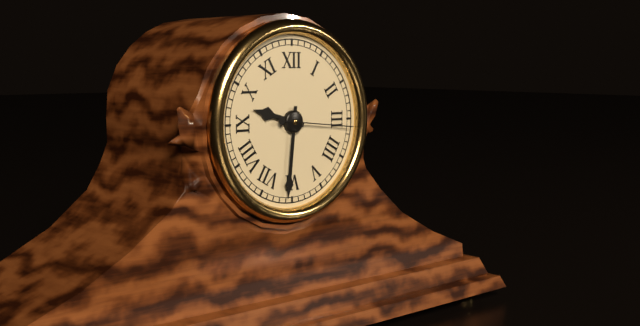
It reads 9 h 31 min 16 s
